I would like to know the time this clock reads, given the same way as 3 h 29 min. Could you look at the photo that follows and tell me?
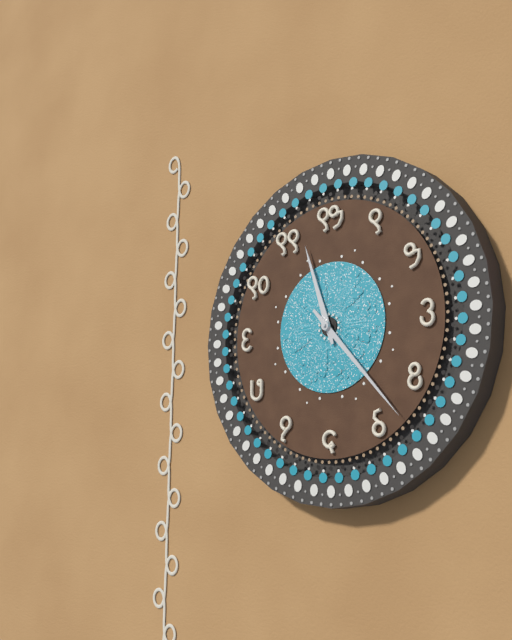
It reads 11 h 23 min
